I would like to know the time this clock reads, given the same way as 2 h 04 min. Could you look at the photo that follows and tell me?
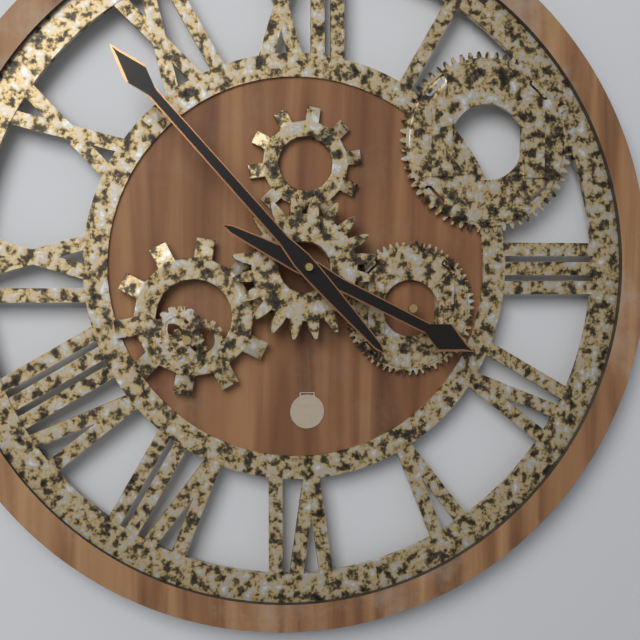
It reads 3 h 53 min
